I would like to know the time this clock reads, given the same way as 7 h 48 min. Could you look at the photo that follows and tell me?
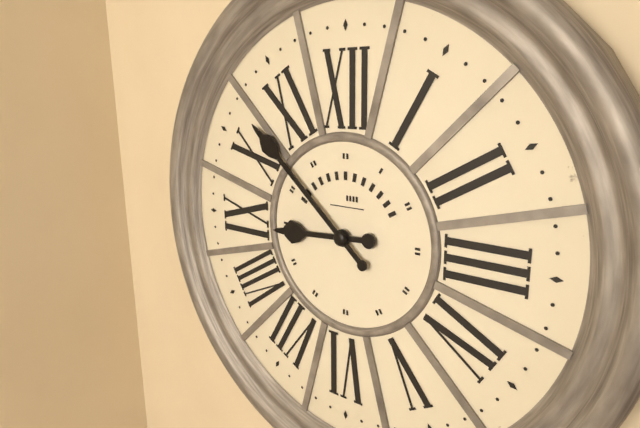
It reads 8 h 52 min
